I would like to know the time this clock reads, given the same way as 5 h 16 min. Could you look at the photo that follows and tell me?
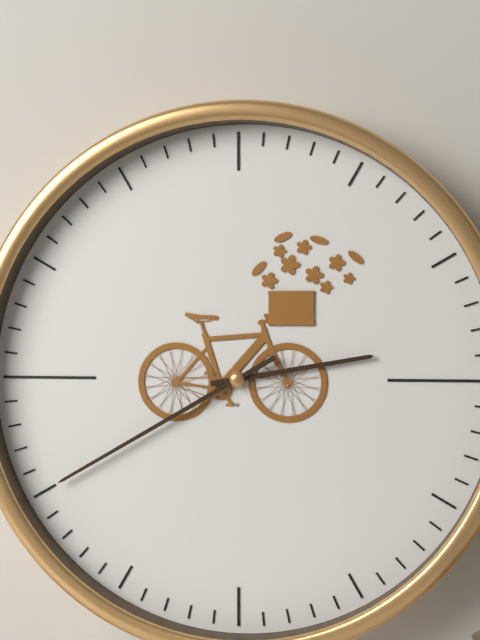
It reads 2 h 40 min
